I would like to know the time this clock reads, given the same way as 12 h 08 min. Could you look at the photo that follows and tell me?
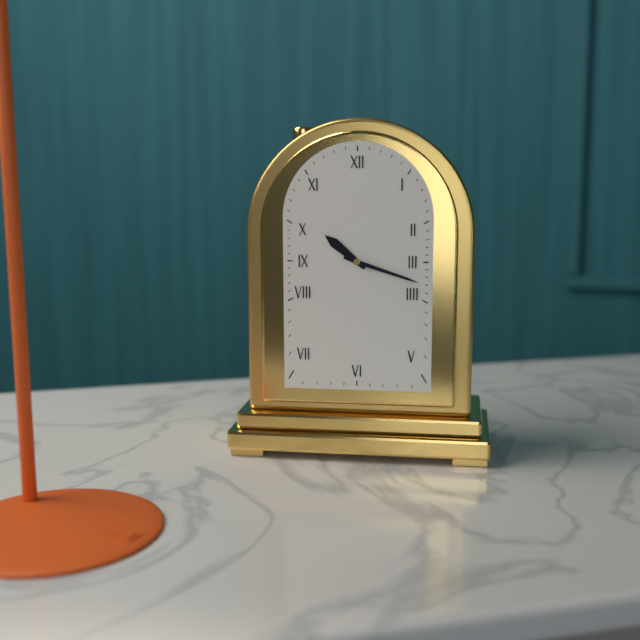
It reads 10 h 18 min
